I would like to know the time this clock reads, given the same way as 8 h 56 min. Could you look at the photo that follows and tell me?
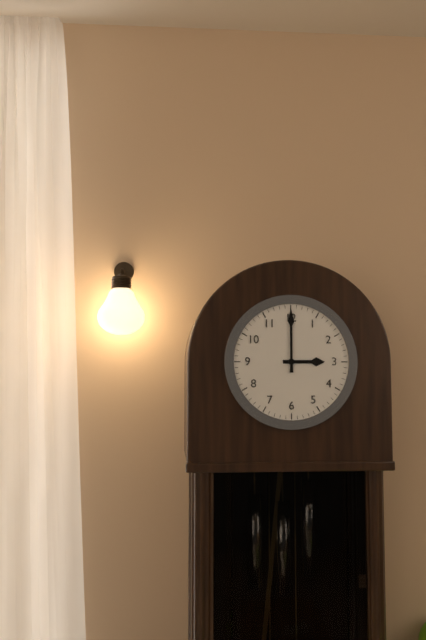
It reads 3 h 00 min
